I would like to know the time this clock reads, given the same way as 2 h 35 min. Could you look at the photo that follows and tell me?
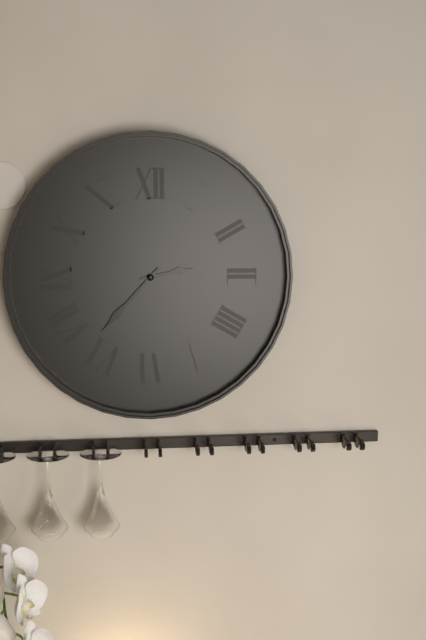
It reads 2 h 37 min
